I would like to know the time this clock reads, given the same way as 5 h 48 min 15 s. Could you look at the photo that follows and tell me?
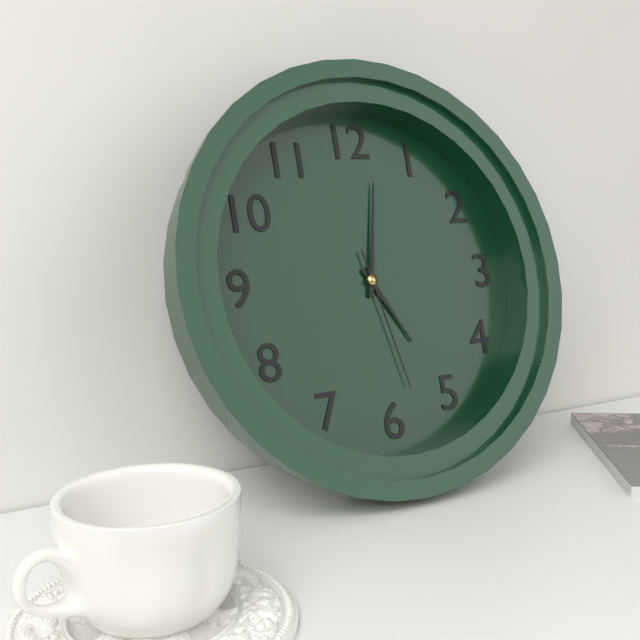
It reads 5 h 02 min 28 s
